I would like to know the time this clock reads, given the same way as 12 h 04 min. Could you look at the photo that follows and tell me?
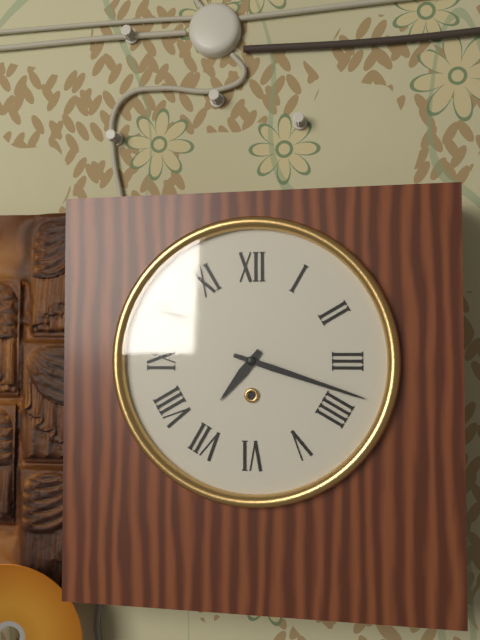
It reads 7 h 18 min
